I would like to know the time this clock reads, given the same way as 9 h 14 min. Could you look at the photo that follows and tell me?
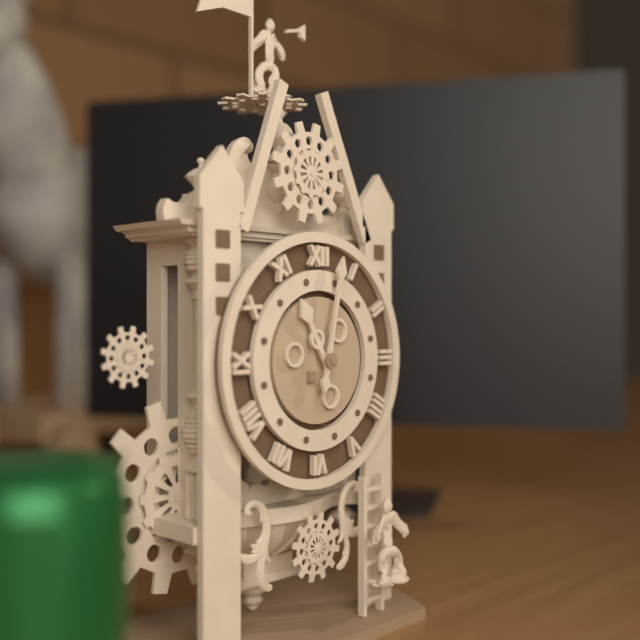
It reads 11 h 02 min
